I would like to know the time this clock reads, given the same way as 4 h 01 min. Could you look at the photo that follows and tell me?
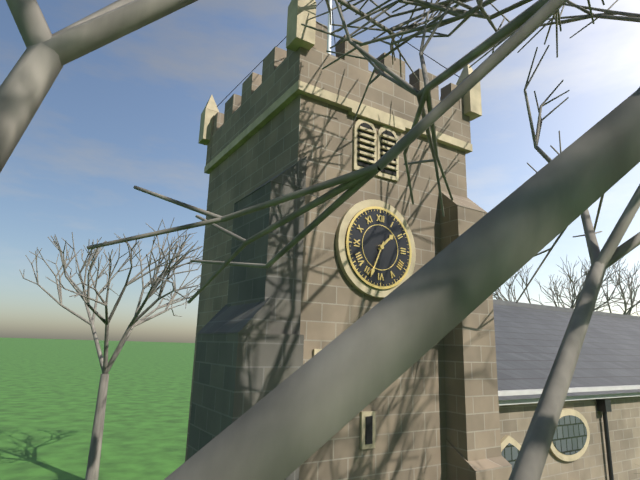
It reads 1 h 34 min
